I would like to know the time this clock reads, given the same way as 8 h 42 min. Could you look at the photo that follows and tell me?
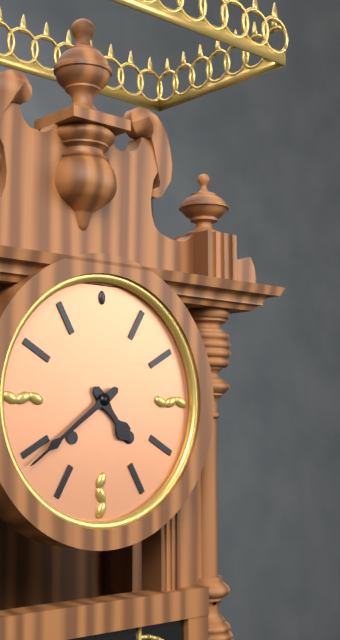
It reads 4 h 39 min
